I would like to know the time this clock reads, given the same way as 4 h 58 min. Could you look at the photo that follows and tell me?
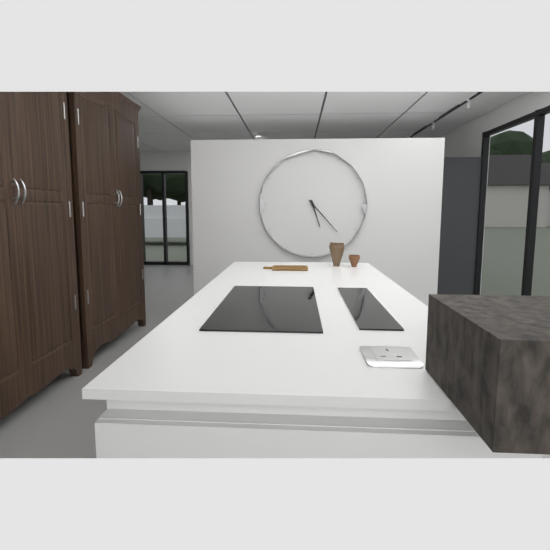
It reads 5 h 23 min
